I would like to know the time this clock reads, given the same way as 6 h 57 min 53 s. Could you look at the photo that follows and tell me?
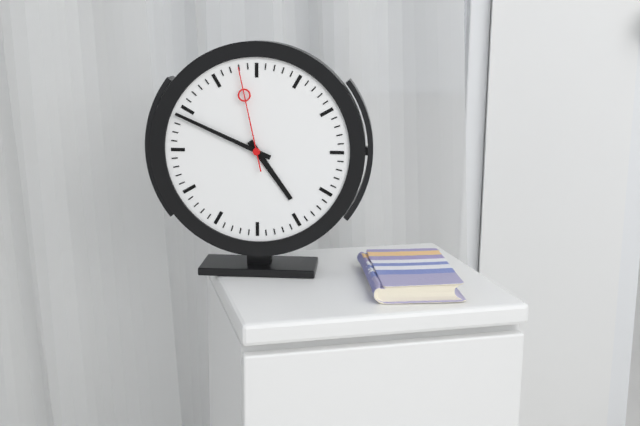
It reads 4 h 49 min 58 s
